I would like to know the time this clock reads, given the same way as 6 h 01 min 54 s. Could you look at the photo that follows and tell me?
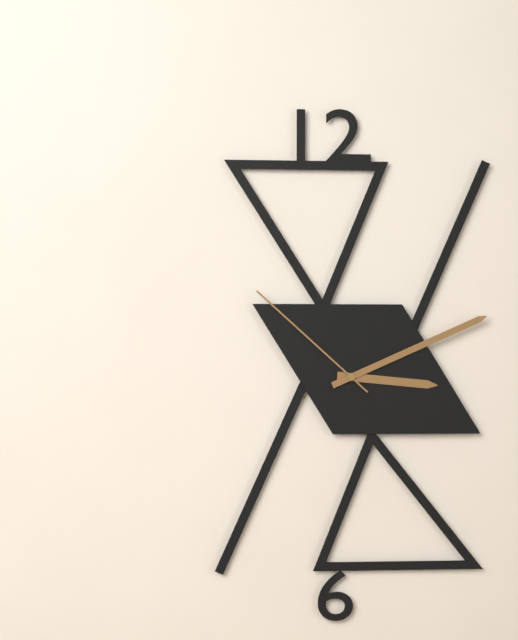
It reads 3 h 11 min 52 s
